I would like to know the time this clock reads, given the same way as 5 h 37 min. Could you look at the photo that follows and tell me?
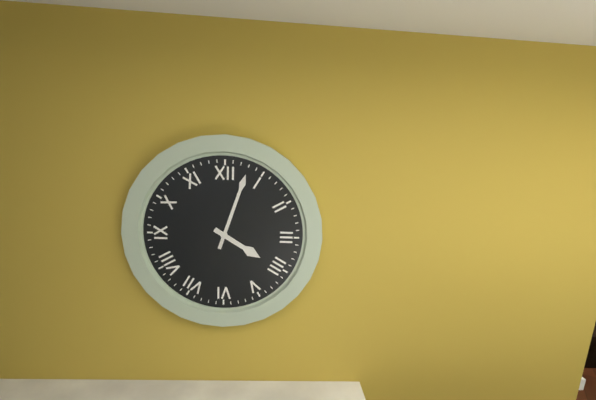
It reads 4 h 03 min
